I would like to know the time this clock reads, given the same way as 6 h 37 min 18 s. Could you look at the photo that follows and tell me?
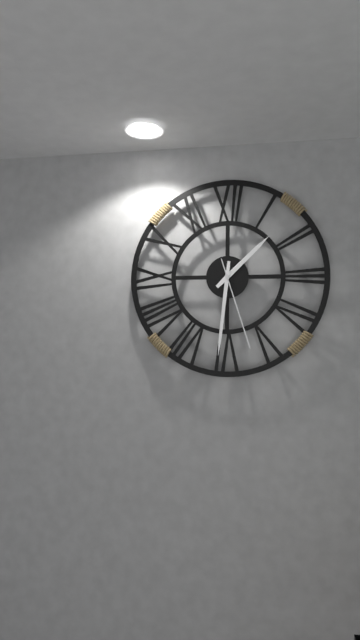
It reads 1 h 31 min 27 s
